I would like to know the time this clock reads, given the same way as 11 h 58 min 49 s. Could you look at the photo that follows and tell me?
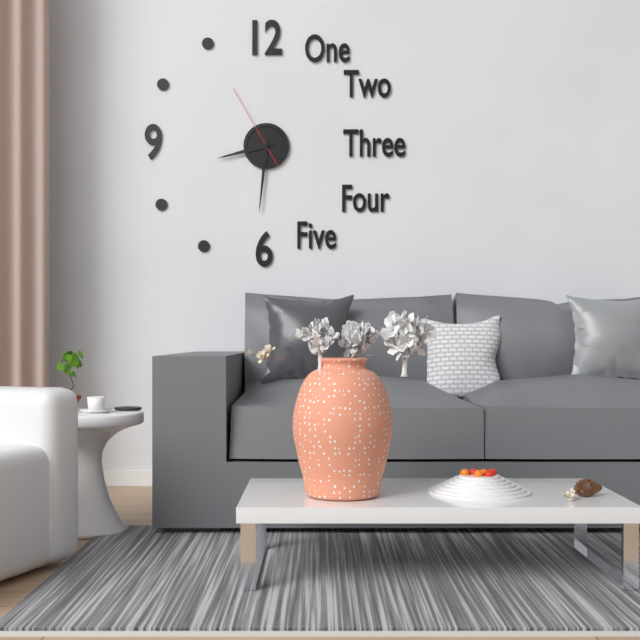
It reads 8 h 31 min 55 s
